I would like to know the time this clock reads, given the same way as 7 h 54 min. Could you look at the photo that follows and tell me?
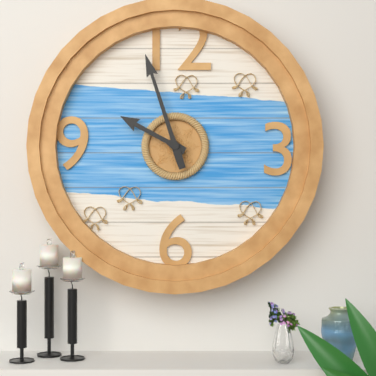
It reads 9 h 57 min
